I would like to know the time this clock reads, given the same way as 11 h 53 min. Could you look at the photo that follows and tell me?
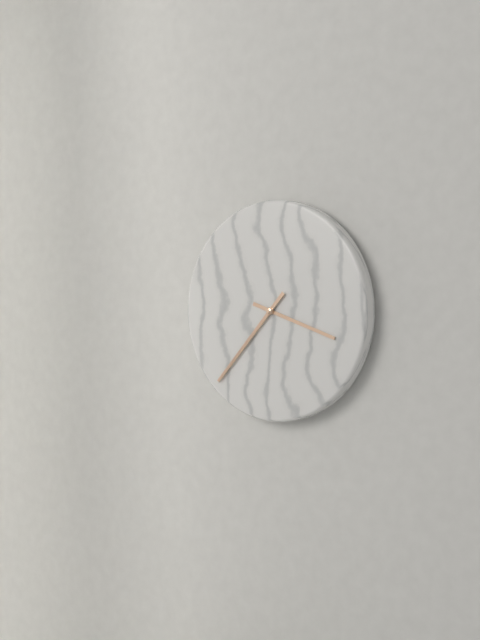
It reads 3 h 37 min
